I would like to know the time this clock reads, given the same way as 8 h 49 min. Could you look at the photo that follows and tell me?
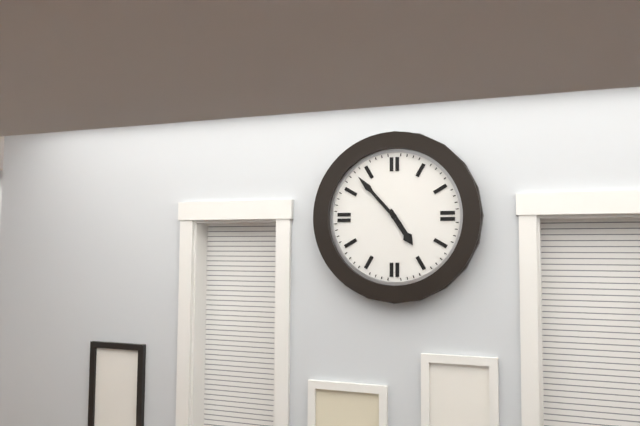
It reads 4 h 53 min
